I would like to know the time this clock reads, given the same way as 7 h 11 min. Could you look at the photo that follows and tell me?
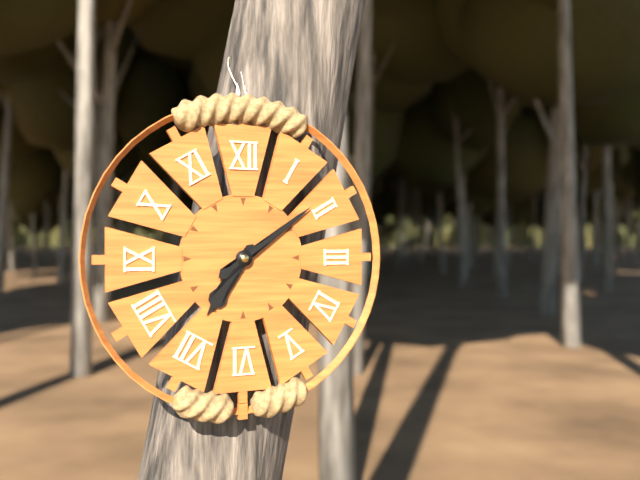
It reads 7 h 09 min
